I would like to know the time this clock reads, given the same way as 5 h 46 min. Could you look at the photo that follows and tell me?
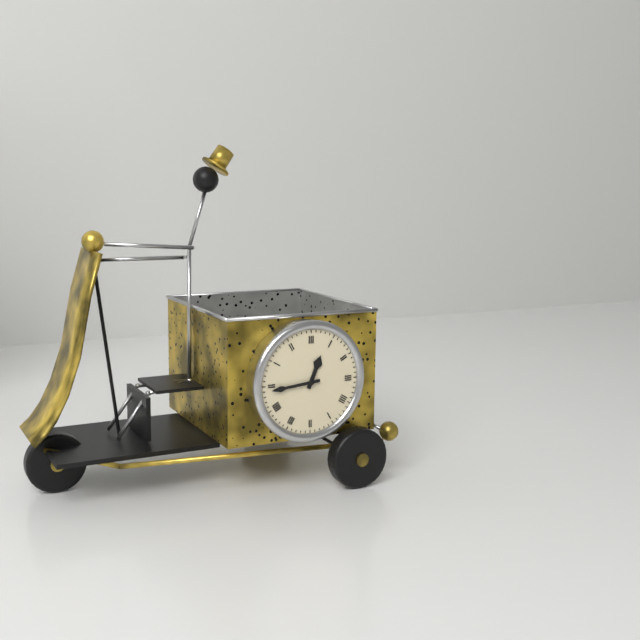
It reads 12 h 44 min
